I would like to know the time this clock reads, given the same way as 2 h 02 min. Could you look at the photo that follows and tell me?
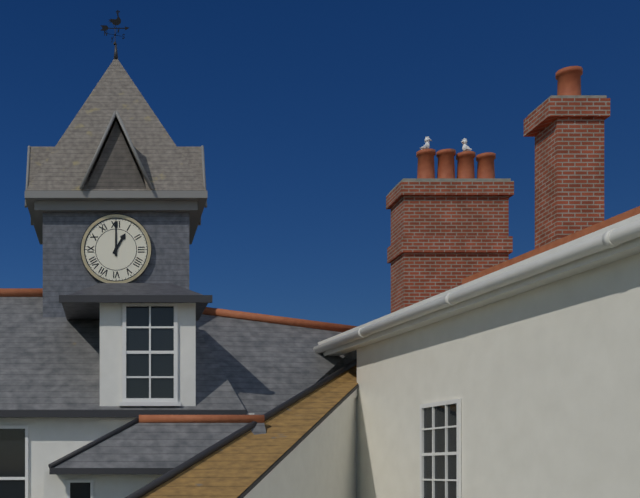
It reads 1 h 00 min
